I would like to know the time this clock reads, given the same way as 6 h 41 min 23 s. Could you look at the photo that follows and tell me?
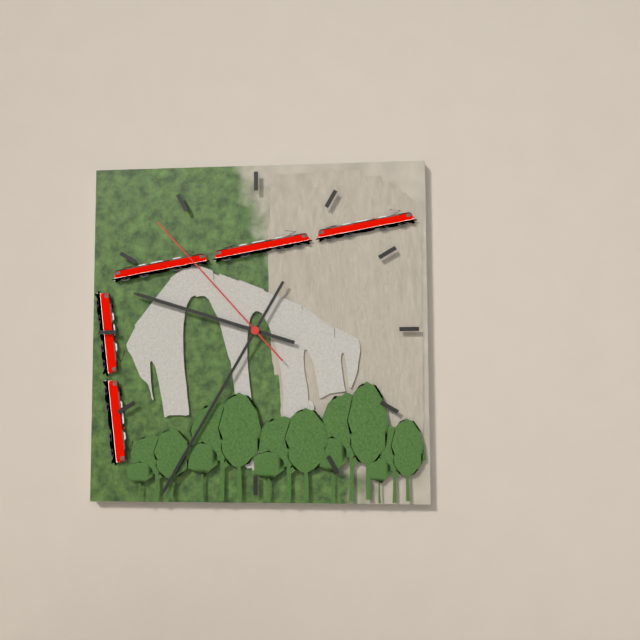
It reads 9 h 35 min 53 s
